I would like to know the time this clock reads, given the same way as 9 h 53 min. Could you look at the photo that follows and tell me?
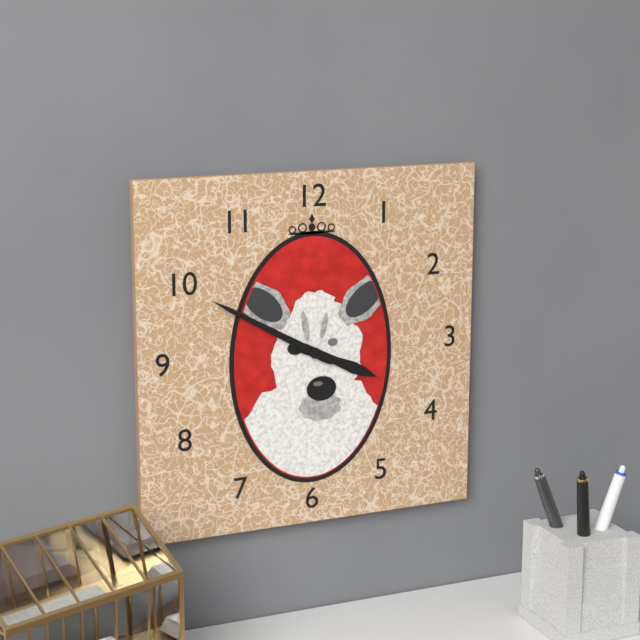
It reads 3 h 50 min
